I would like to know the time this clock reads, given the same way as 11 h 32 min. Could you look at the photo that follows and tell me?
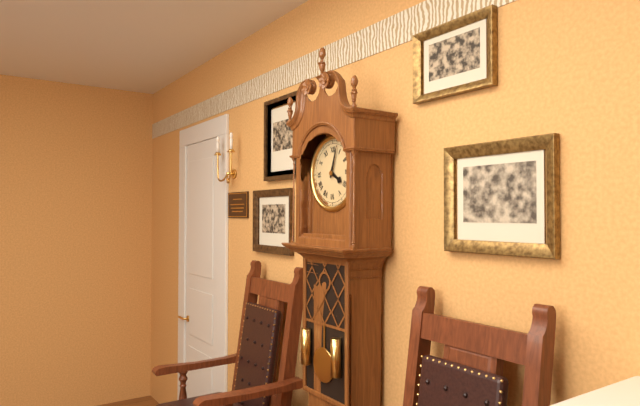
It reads 4 h 03 min
